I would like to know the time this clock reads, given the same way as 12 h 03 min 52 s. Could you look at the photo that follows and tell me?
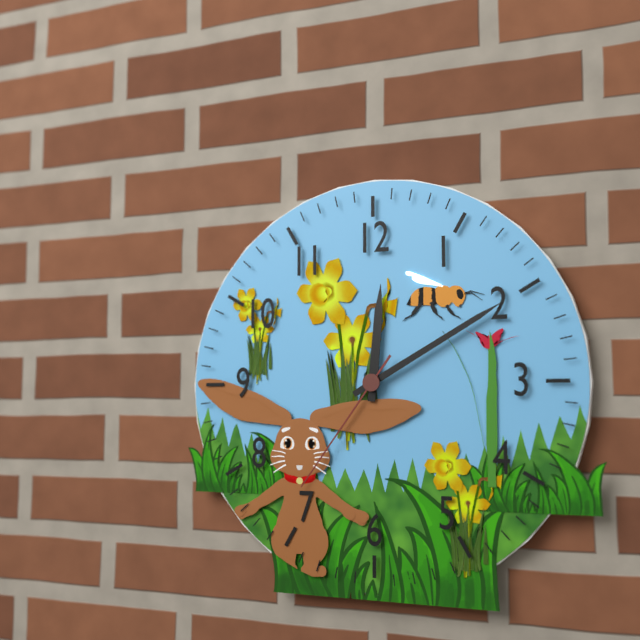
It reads 12 h 10 min 36 s
